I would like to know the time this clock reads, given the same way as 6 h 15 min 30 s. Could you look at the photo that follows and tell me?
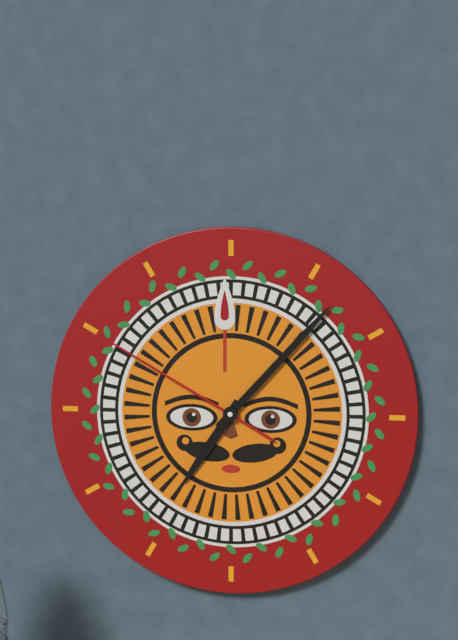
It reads 7 h 07 min 50 s
